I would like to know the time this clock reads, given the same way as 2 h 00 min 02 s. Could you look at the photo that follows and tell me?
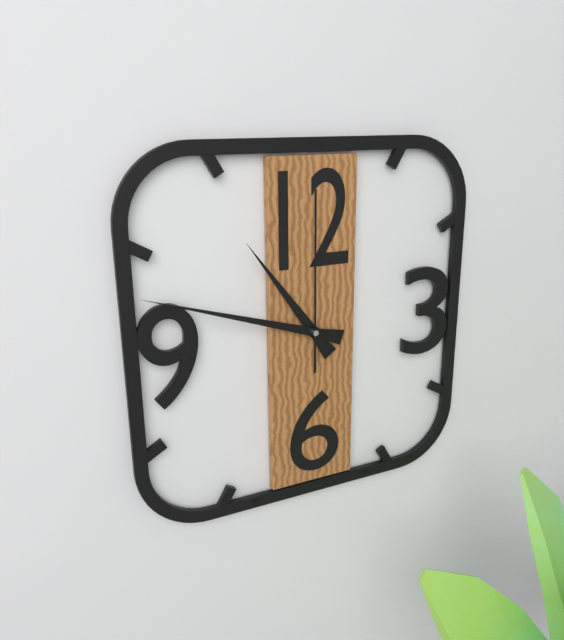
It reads 10 h 48 min 00 s
